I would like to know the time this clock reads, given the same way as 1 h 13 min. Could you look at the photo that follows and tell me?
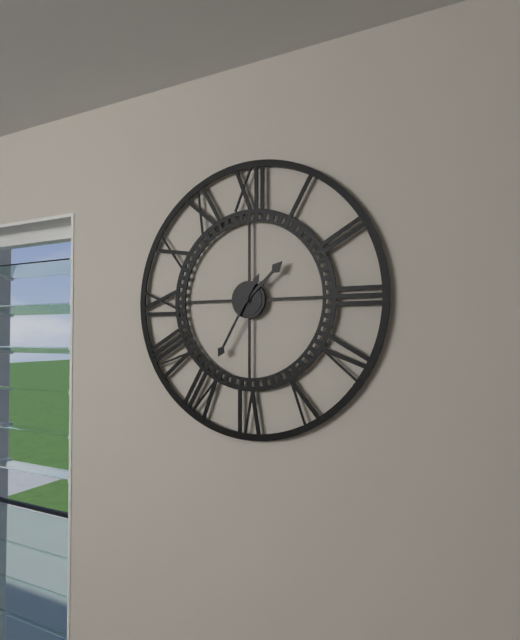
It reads 1 h 35 min
